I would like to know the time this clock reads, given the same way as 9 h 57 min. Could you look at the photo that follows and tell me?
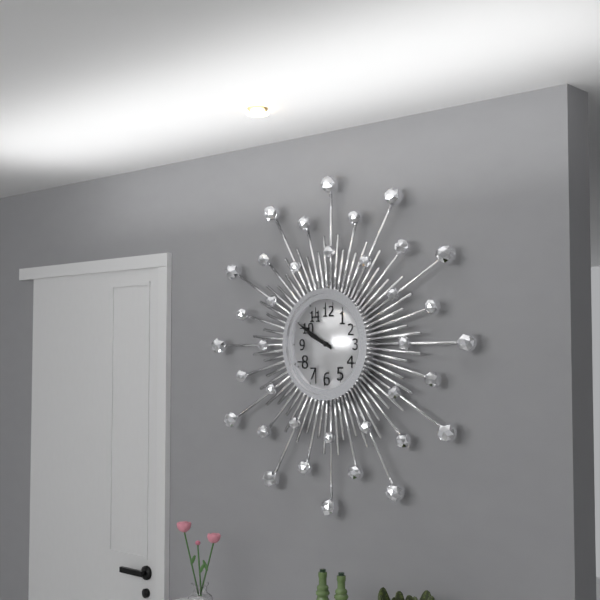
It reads 9 h 50 min
